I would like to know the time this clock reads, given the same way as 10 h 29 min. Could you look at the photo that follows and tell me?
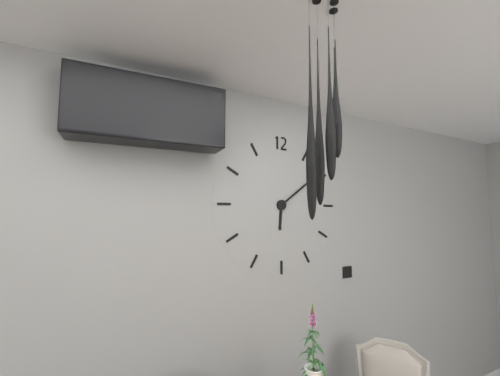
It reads 6 h 09 min
